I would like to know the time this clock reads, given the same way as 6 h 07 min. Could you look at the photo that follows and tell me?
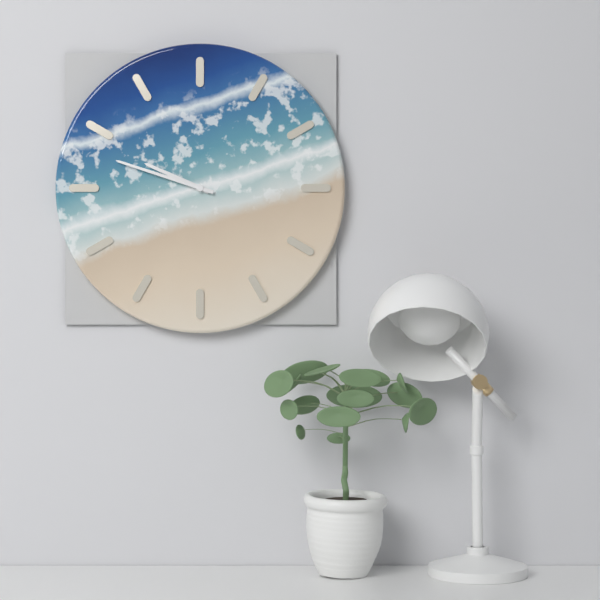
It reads 9 h 48 min
